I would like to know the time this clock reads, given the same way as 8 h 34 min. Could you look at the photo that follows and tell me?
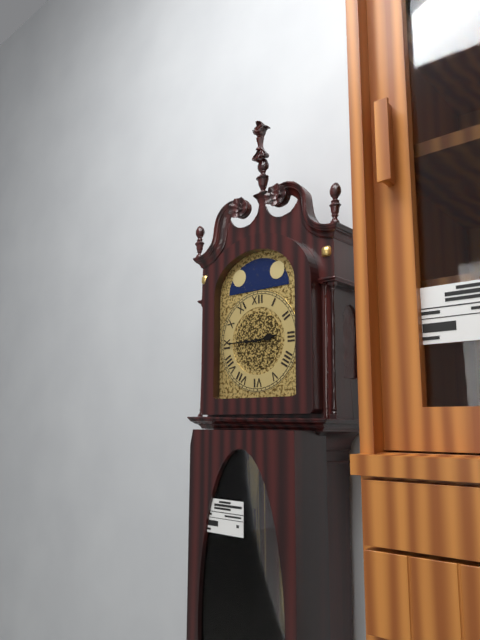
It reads 2 h 45 min
